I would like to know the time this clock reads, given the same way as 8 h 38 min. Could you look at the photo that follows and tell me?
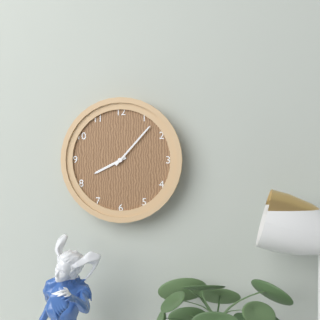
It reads 8 h 07 min
